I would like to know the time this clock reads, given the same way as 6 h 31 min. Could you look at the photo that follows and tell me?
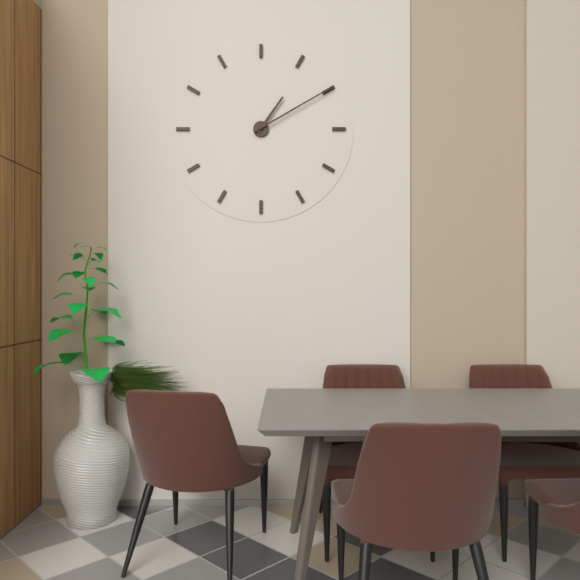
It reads 1 h 10 min
